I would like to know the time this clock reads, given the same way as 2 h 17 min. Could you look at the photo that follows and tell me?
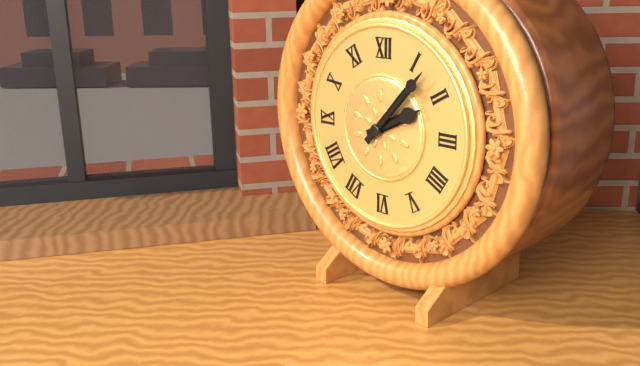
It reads 2 h 07 min
